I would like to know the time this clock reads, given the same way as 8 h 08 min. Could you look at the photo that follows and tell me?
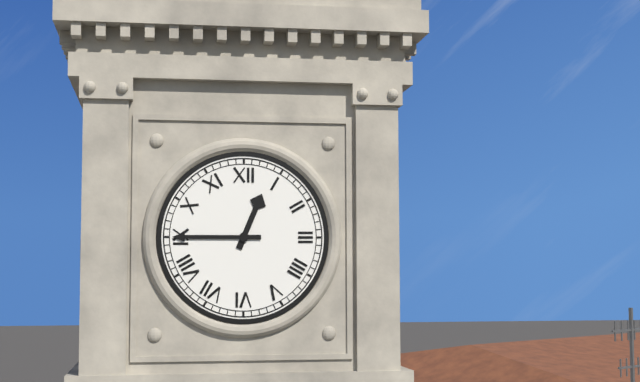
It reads 12 h 45 min
